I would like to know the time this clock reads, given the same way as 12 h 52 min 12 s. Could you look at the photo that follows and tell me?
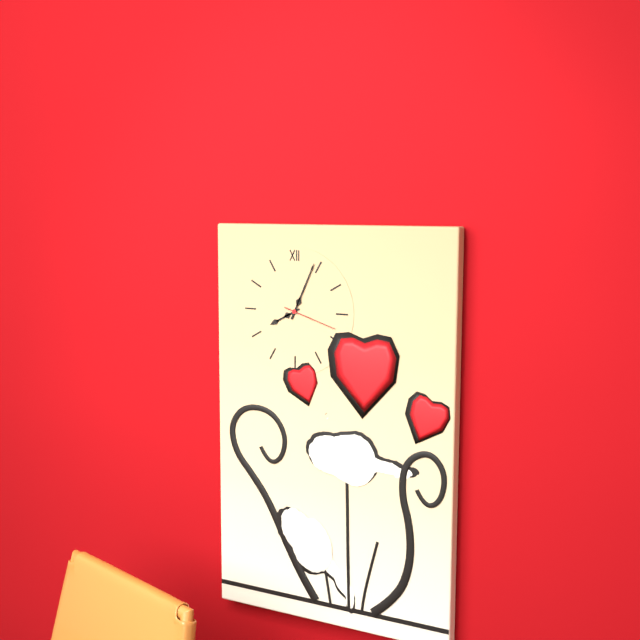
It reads 8 h 04 min 18 s
